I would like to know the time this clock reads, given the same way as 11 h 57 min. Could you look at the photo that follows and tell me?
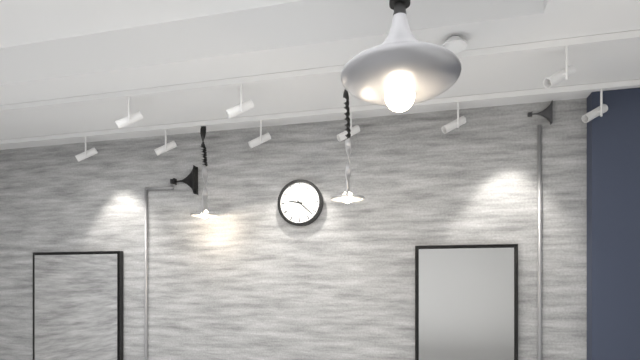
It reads 9 h 22 min
